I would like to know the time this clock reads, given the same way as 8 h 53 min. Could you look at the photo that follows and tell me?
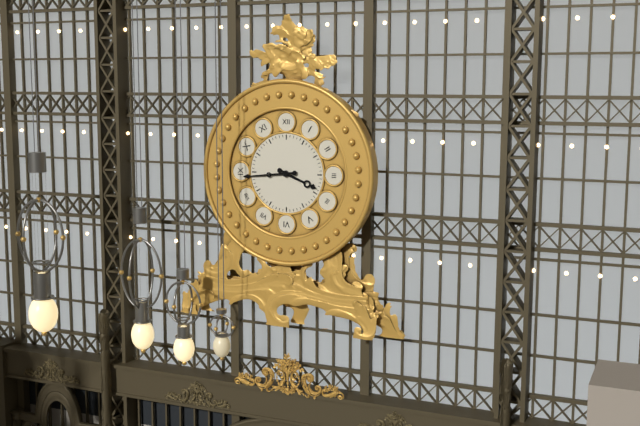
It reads 3 h 44 min
